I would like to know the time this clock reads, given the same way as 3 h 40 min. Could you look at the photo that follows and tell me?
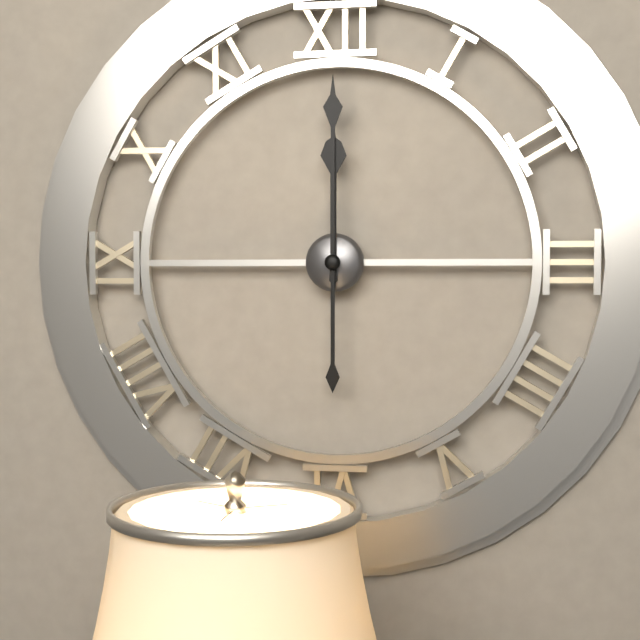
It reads 12 h 00 min
